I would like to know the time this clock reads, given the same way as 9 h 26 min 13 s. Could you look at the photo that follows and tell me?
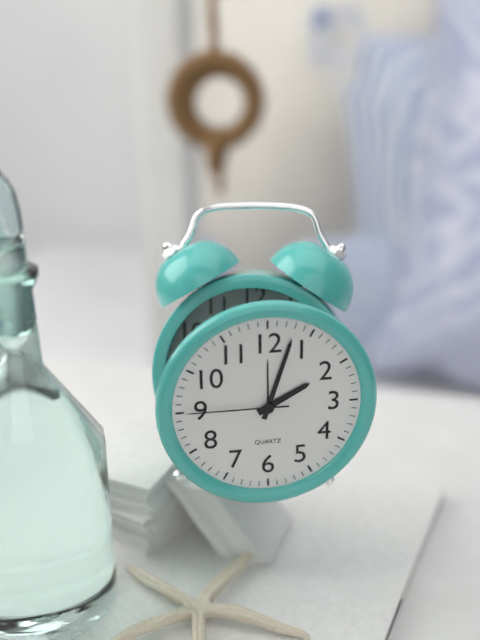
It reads 2 h 03 min 45 s
